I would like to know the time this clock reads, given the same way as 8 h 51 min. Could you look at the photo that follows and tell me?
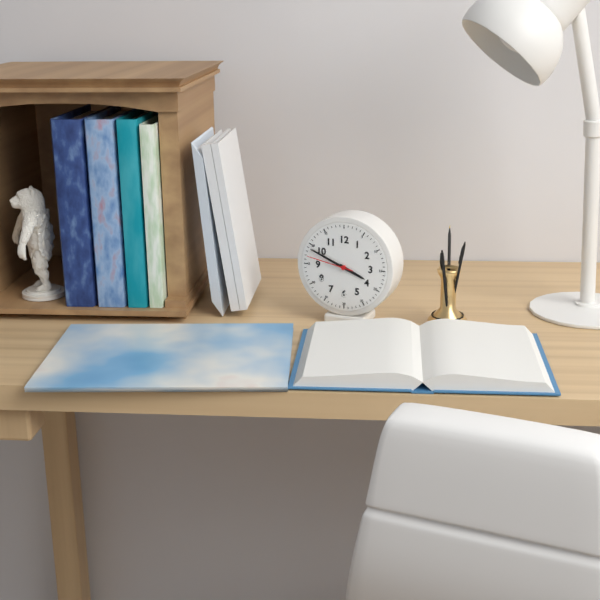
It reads 3 h 49 min
